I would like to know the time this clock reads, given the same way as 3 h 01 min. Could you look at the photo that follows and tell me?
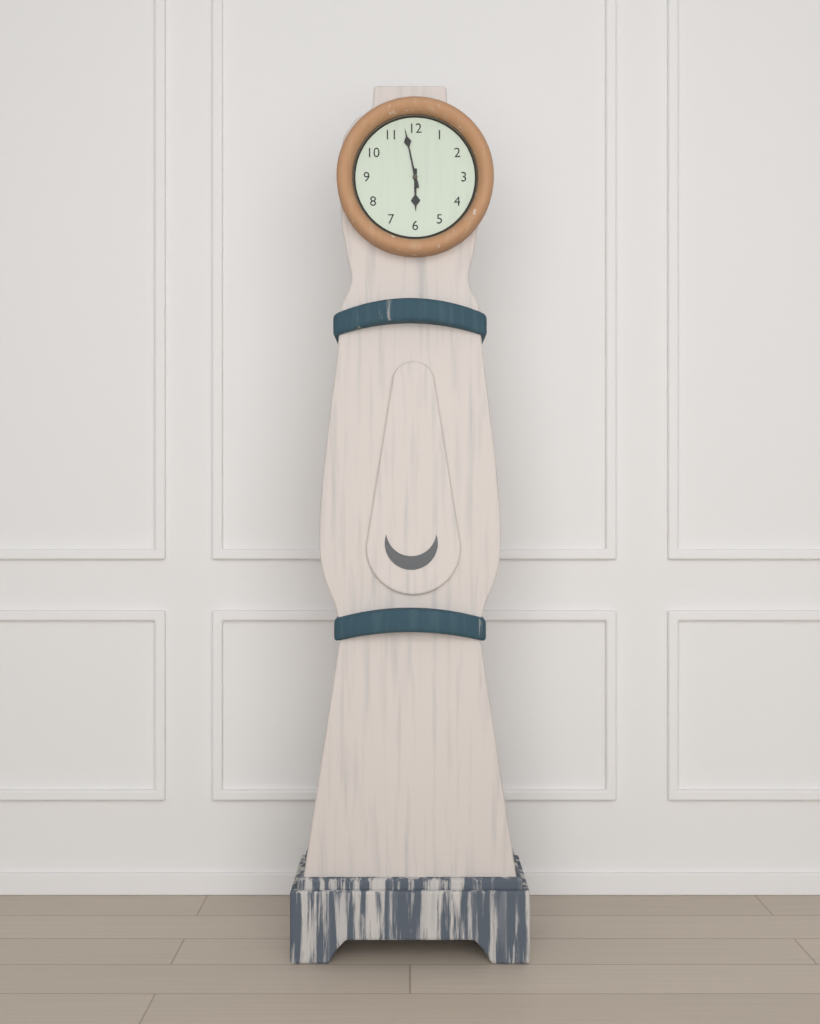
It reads 5 h 58 min
